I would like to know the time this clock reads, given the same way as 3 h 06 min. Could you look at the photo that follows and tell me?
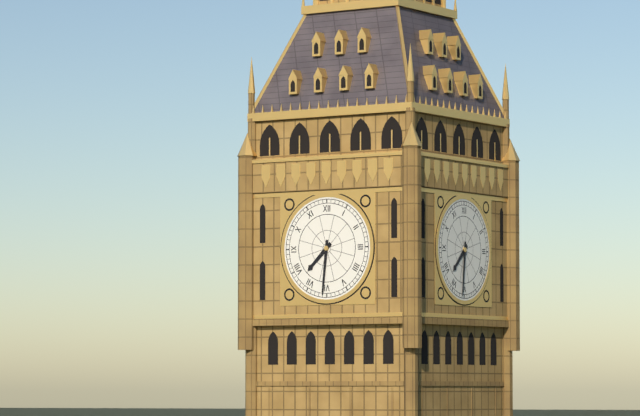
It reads 7 h 31 min
